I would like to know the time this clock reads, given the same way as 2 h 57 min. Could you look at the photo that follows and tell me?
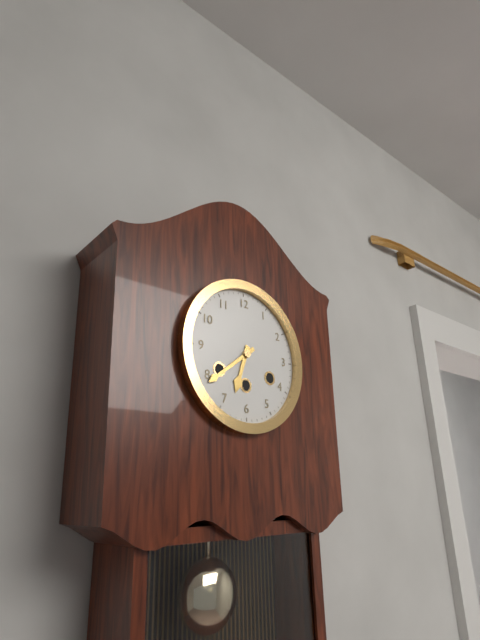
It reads 6 h 39 min
